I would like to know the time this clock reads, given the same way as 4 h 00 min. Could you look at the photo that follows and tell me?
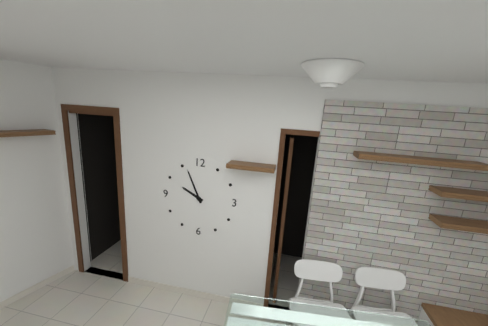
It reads 9 h 56 min
